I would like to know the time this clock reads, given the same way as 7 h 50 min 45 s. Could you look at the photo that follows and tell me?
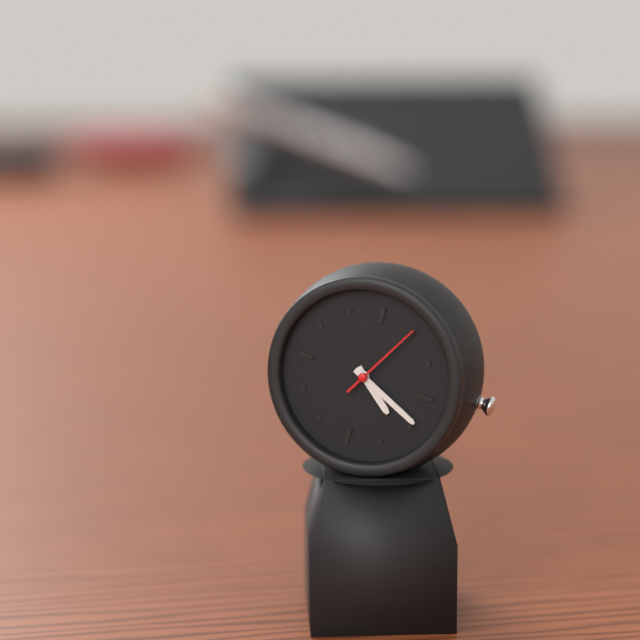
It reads 4 h 19 min 05 s
